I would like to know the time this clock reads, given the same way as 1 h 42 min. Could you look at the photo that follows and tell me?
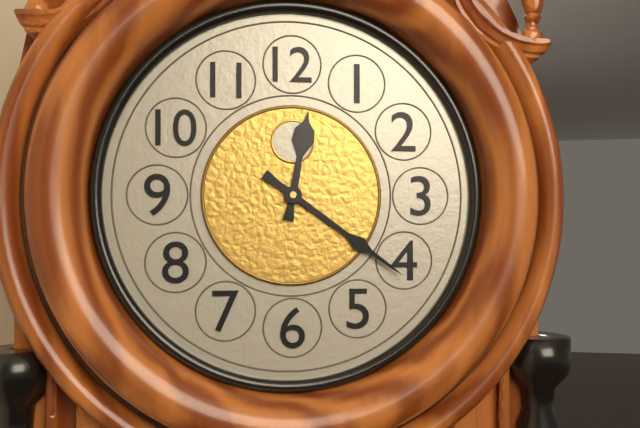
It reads 12 h 21 min
